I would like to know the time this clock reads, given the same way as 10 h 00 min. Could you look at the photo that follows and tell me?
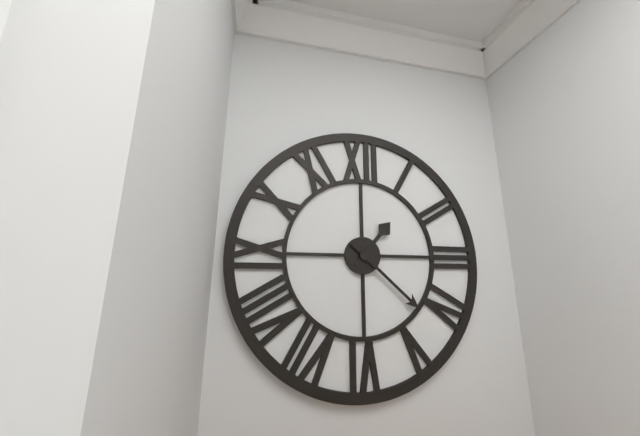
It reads 1 h 22 min
